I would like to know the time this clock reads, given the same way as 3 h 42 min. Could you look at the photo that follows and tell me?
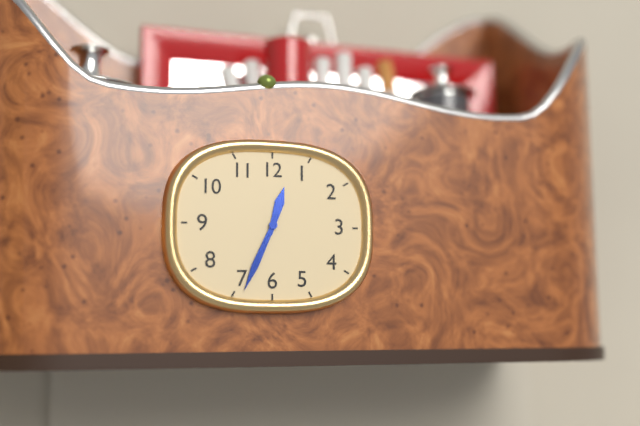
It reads 12 h 34 min
